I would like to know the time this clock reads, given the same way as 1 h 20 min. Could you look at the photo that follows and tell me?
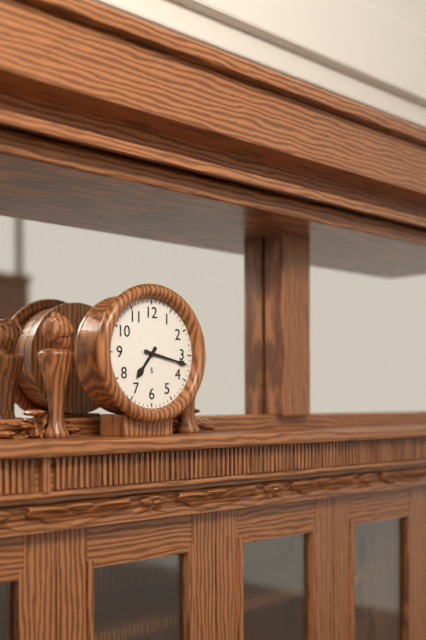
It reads 7 h 17 min
